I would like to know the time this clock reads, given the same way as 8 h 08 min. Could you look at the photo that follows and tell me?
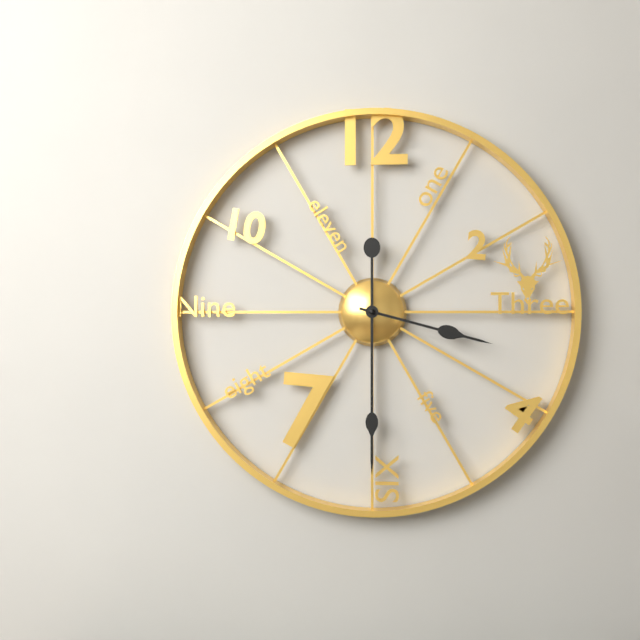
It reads 3 h 30 min
